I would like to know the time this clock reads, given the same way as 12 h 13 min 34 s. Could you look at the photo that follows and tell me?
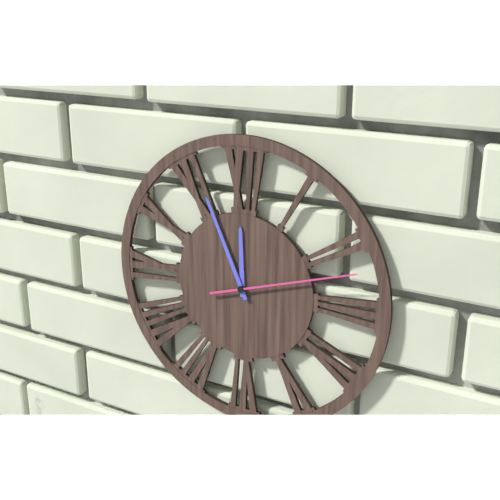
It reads 11 h 56 min 12 s
